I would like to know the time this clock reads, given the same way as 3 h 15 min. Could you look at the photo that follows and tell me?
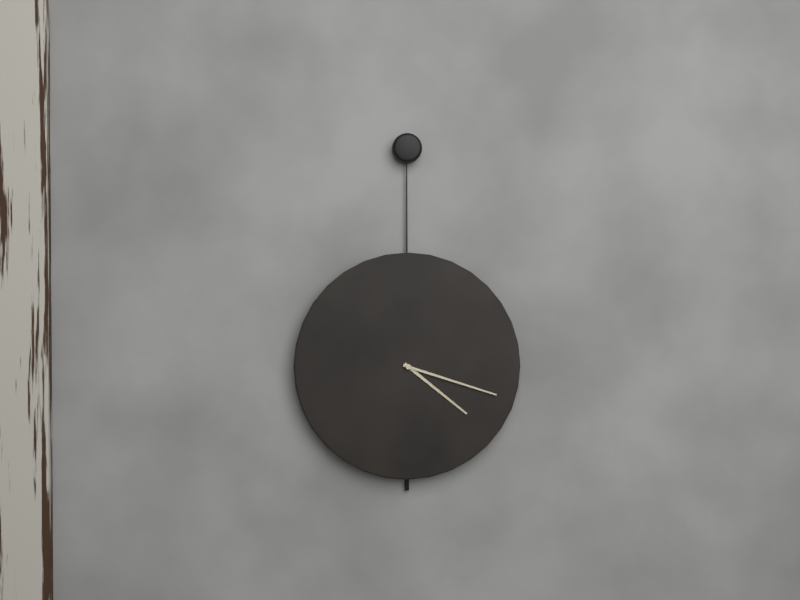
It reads 4 h 18 min
